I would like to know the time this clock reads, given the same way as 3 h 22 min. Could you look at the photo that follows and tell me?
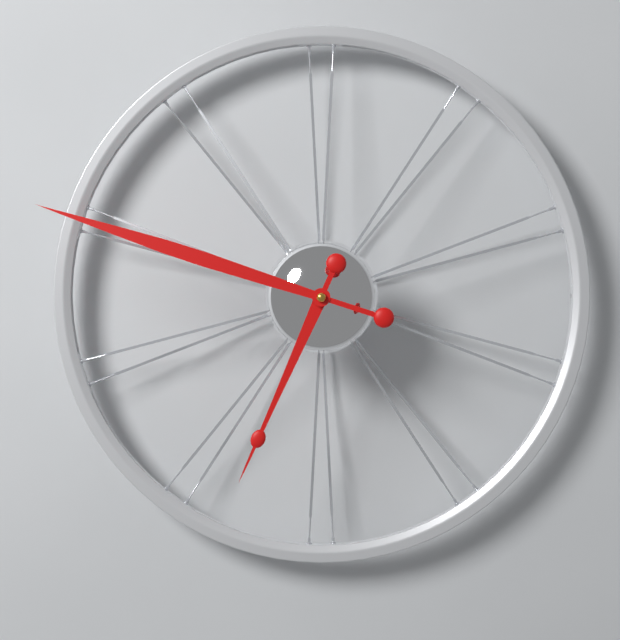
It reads 6 h 48 min
